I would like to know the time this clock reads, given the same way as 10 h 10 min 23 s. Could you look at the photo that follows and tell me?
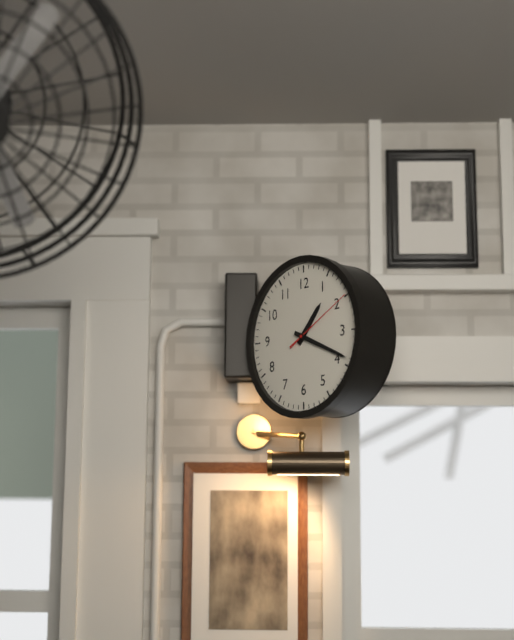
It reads 1 h 19 min 10 s
